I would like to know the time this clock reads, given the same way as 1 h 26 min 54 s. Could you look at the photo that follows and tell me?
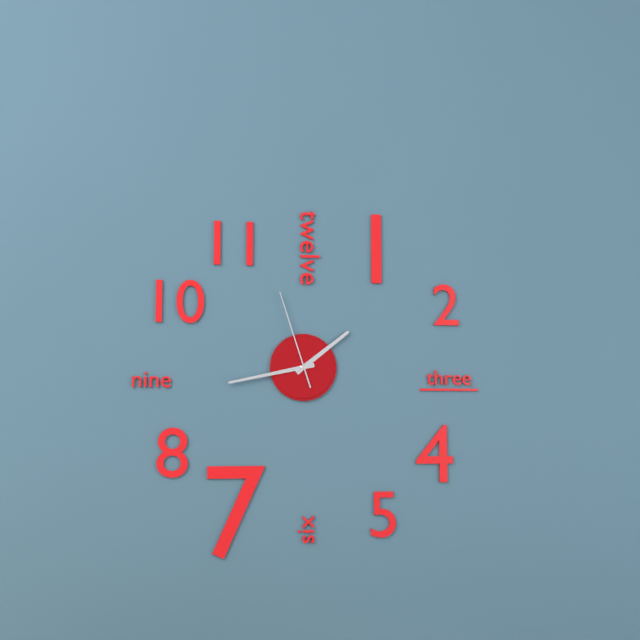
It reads 1 h 43 min 57 s
